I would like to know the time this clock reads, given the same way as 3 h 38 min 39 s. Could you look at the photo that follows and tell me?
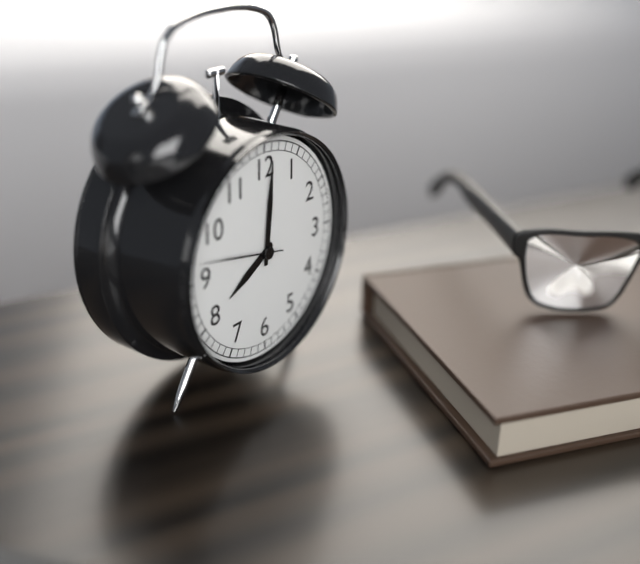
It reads 8 h 01 min 47 s
